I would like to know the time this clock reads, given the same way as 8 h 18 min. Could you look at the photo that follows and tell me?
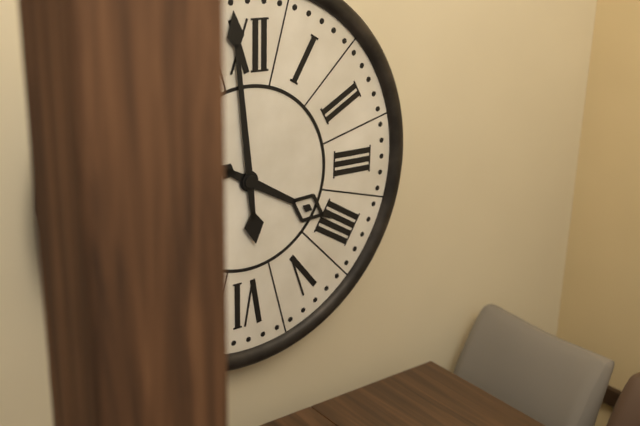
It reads 3 h 59 min
